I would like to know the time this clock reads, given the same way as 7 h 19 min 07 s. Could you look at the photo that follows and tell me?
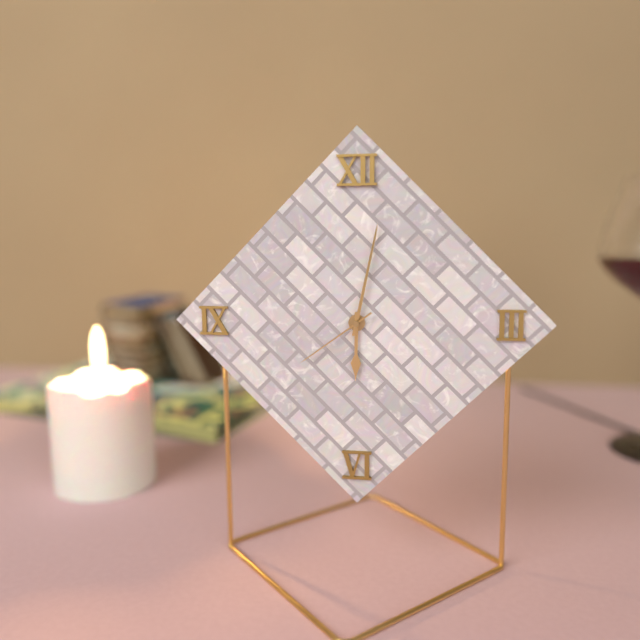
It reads 6 h 02 min 39 s
